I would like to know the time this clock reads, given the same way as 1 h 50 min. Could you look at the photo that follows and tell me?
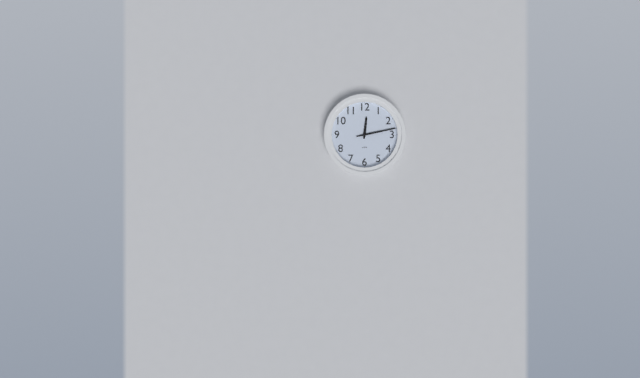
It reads 12 h 13 min
